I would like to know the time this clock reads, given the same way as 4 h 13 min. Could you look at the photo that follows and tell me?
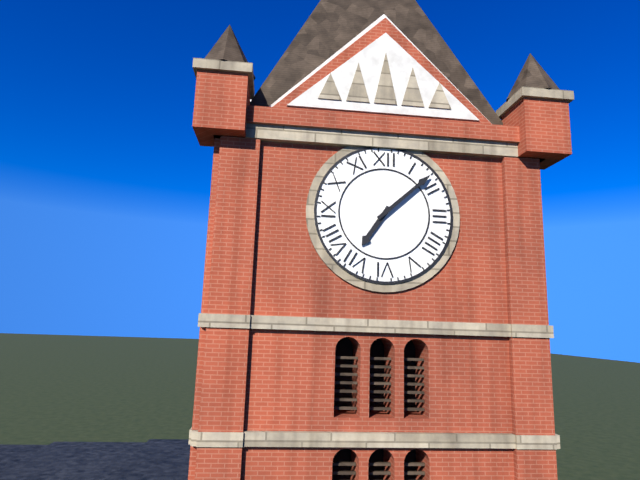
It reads 7 h 08 min
